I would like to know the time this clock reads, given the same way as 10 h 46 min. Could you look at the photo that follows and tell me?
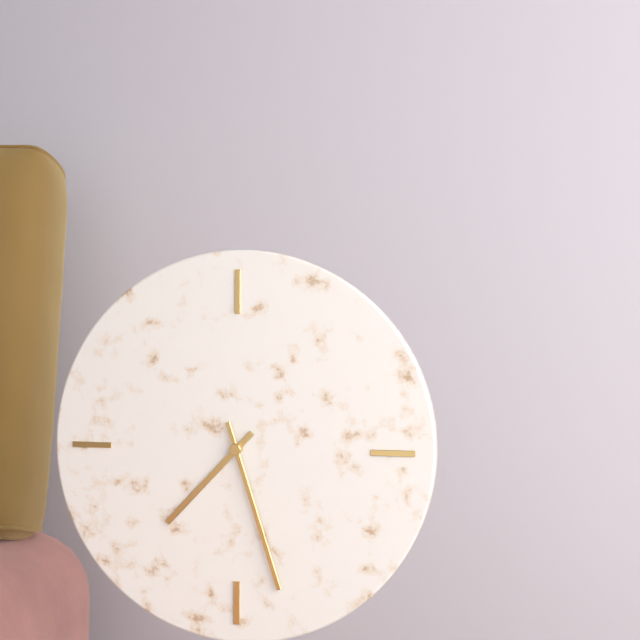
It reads 7 h 27 min
